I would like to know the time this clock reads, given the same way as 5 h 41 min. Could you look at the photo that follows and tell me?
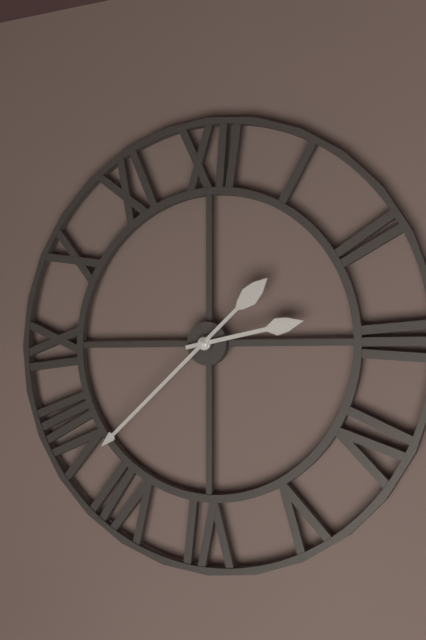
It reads 2 h 38 min
